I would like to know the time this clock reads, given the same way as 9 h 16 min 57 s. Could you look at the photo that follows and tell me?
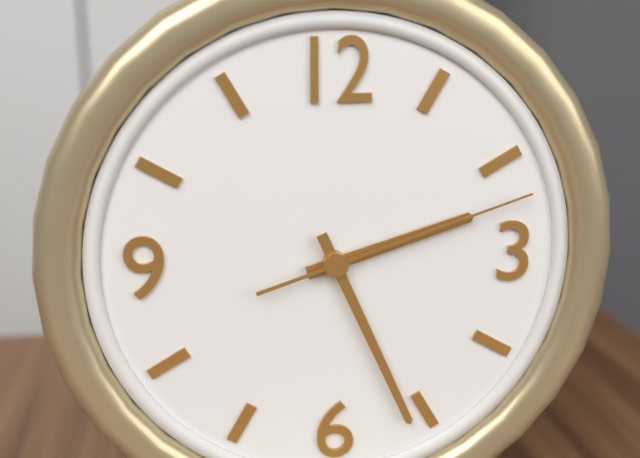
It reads 2 h 26 min 12 s
